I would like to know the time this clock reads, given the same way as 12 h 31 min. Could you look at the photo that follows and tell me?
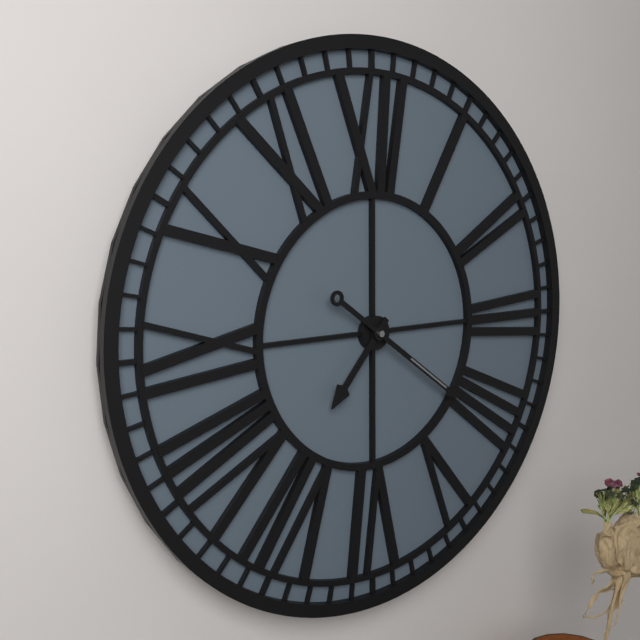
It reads 7 h 21 min
